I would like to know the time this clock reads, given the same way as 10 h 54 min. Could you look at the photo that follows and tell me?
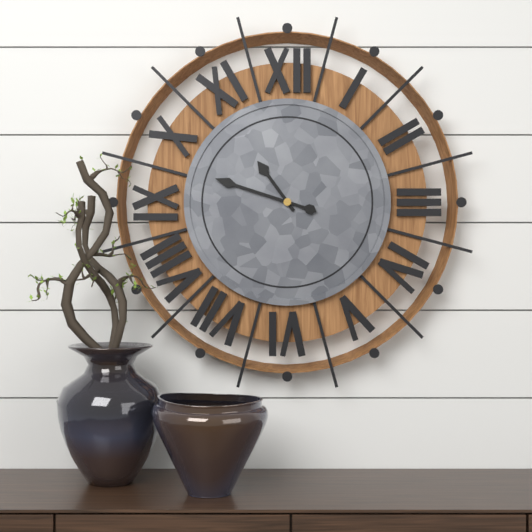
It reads 10 h 48 min
